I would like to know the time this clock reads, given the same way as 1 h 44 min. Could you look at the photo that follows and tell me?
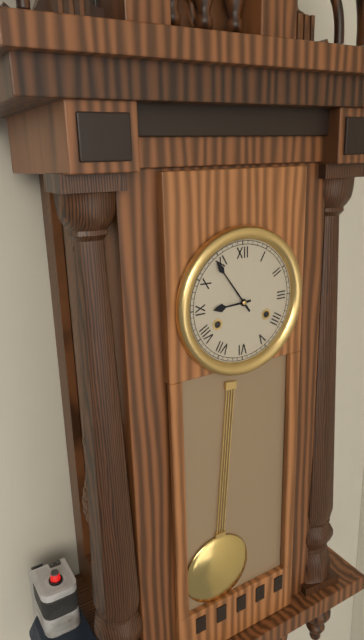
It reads 8 h 54 min
